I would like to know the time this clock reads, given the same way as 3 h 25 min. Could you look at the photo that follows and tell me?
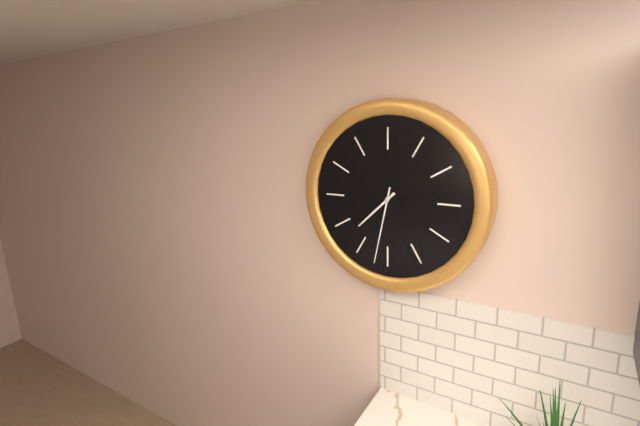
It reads 7 h 32 min
